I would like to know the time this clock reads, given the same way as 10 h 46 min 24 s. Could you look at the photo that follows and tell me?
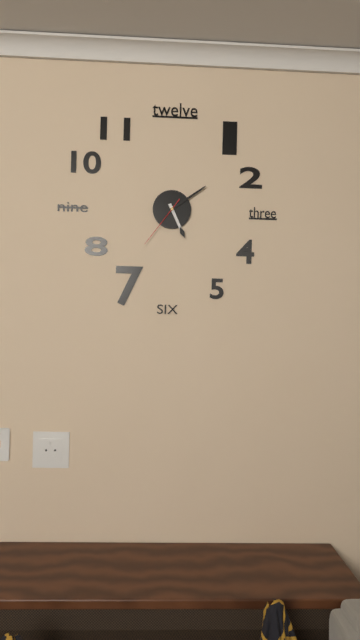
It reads 5 h 09 min 36 s
